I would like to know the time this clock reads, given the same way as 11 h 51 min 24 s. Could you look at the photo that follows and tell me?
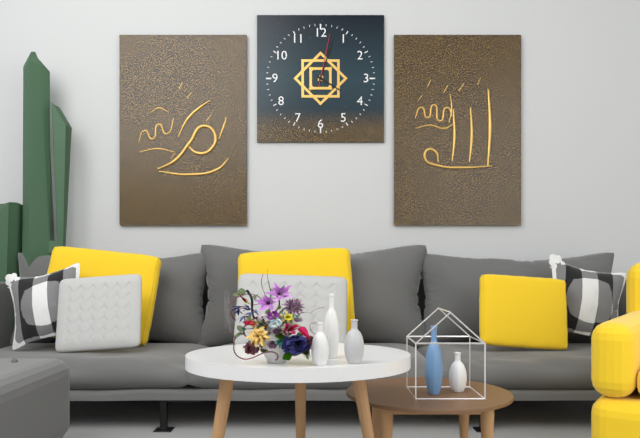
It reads 4 h 03 min 02 s
